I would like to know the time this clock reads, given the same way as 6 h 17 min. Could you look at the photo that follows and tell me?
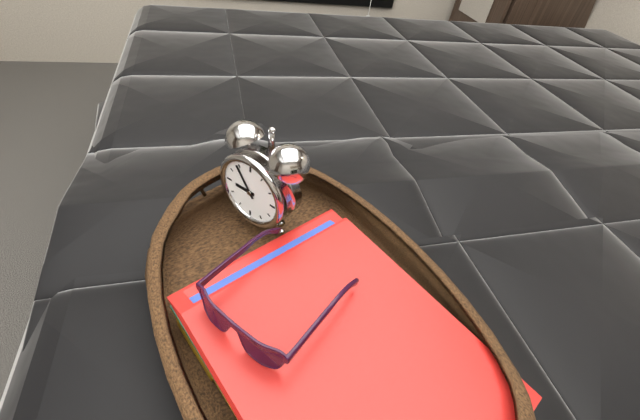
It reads 8 h 54 min
